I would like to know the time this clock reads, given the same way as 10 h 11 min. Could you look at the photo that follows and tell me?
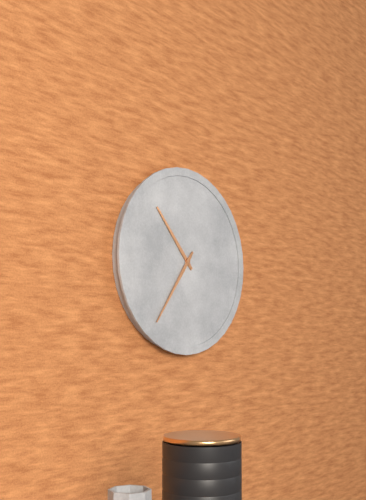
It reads 10 h 36 min
